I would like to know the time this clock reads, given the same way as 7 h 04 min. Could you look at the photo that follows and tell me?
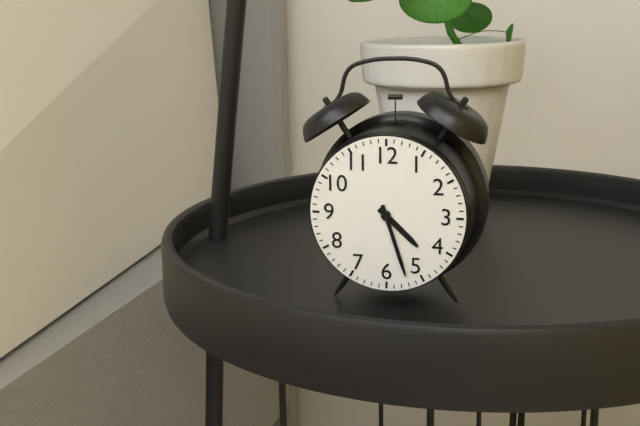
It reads 4 h 27 min
